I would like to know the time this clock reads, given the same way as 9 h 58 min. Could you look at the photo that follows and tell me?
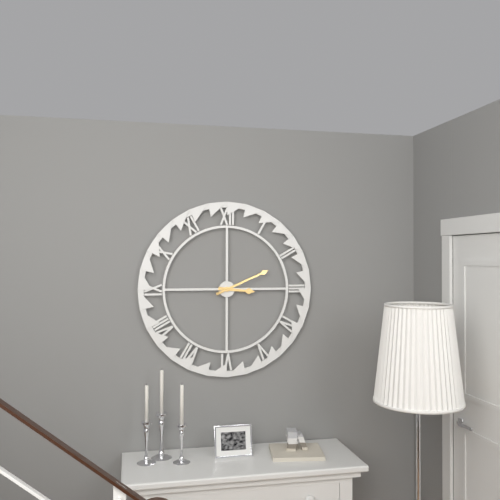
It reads 3 h 11 min
